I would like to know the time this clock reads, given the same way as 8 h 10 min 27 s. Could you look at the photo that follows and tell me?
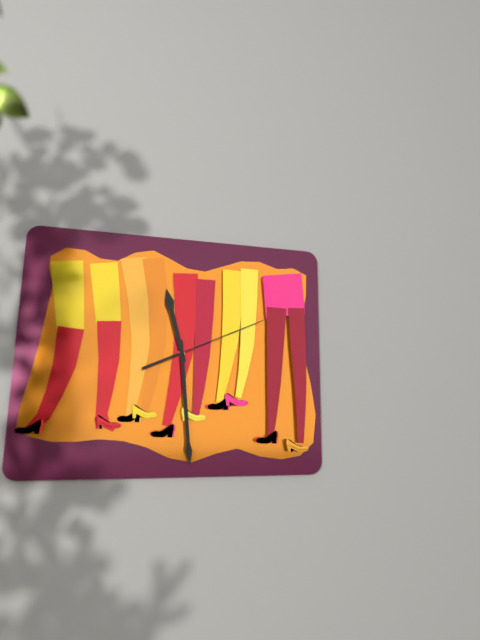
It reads 11 h 29 min 11 s
